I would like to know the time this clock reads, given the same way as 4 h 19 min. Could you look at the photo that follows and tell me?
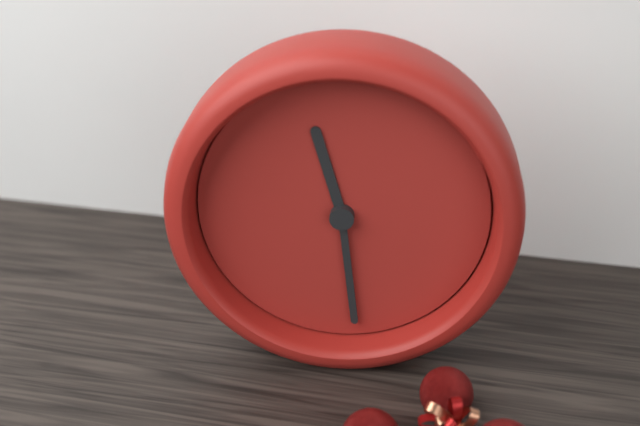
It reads 11 h 29 min
